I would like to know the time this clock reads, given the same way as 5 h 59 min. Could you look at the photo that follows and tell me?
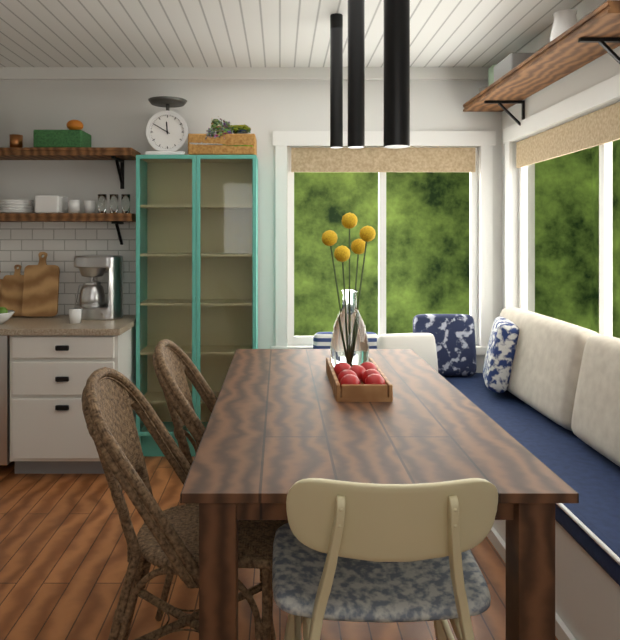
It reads 11 h 50 min
